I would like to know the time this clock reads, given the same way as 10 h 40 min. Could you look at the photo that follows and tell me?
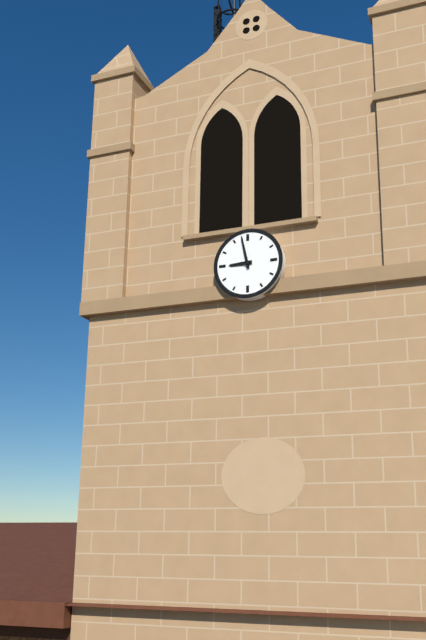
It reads 8 h 58 min
